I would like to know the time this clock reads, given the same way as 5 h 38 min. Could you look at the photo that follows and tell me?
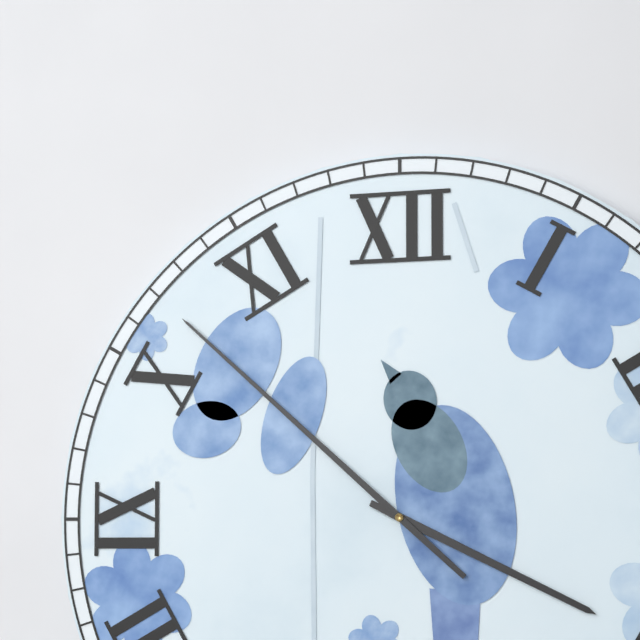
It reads 3 h 52 min
